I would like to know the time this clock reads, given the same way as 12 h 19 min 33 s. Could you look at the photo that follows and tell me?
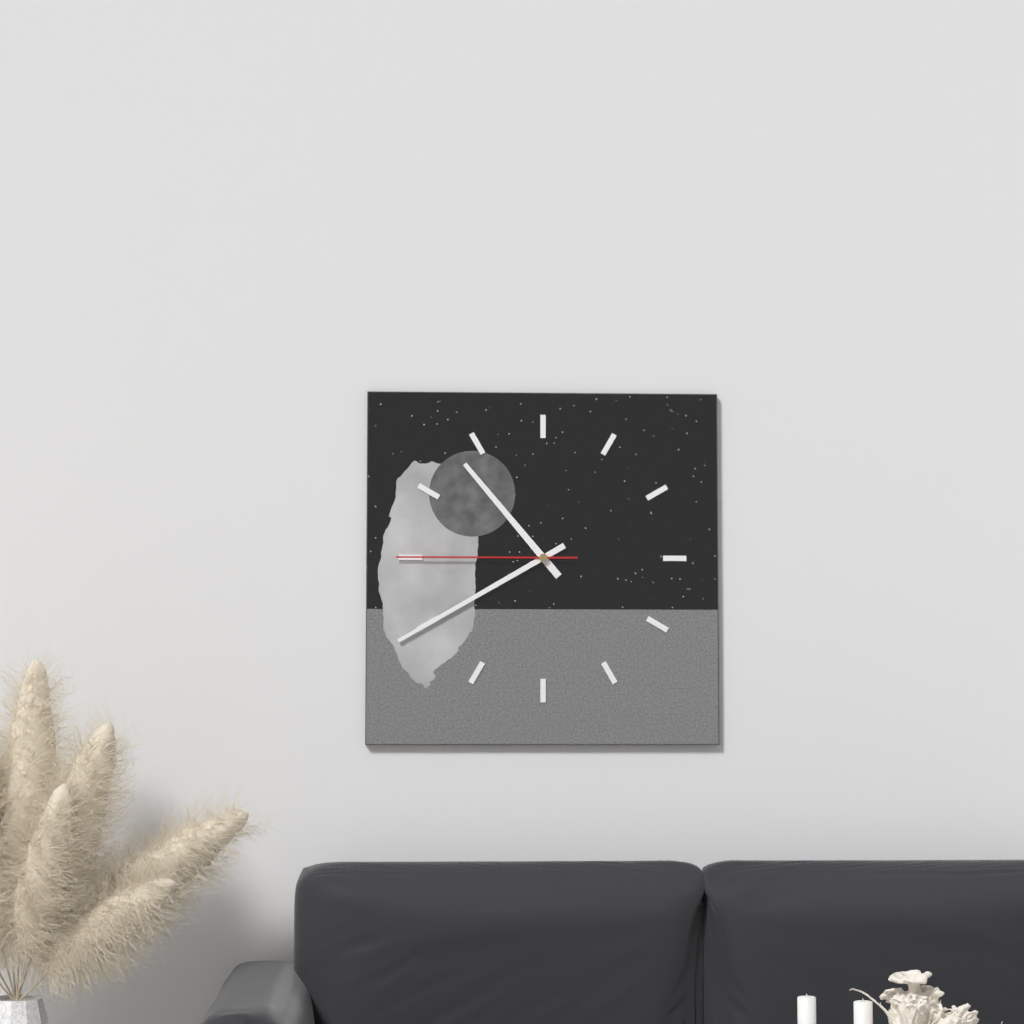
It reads 10 h 40 min 45 s
